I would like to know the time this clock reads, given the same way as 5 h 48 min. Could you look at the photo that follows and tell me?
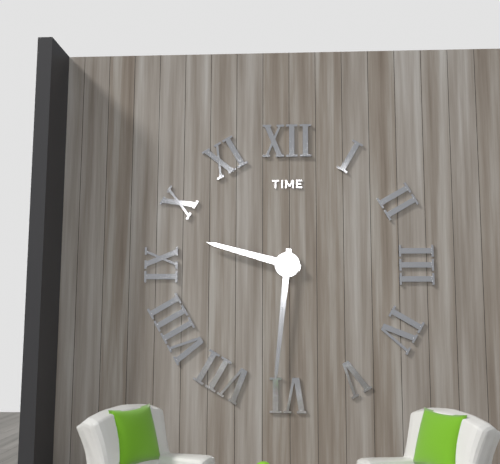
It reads 9 h 31 min
